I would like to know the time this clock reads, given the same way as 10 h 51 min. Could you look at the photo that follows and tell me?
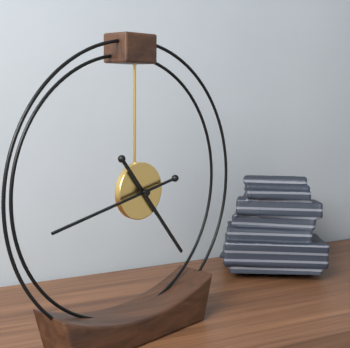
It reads 4 h 43 min
